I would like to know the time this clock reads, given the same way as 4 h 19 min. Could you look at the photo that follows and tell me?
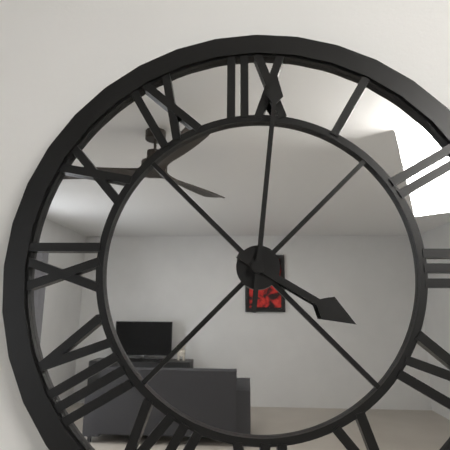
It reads 4 h 01 min
